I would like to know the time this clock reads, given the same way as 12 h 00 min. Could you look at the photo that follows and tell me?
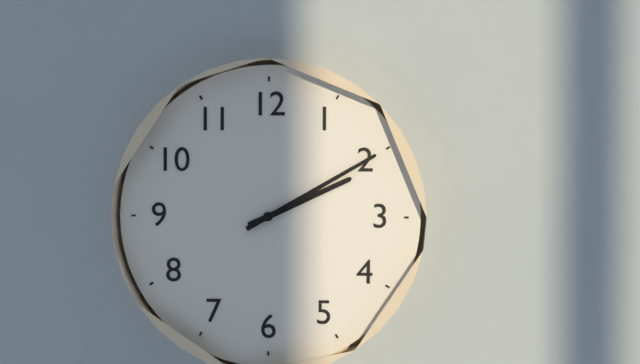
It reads 2 h 10 min
